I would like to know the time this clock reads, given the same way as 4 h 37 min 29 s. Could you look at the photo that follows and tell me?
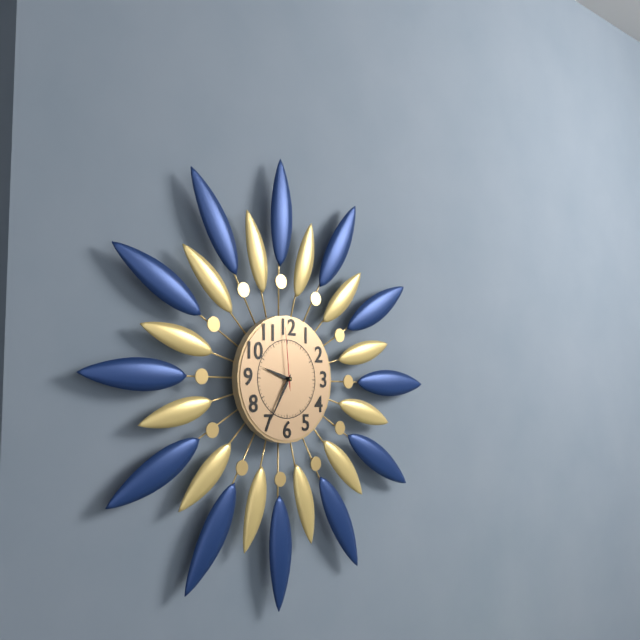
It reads 9 h 35 min 59 s
